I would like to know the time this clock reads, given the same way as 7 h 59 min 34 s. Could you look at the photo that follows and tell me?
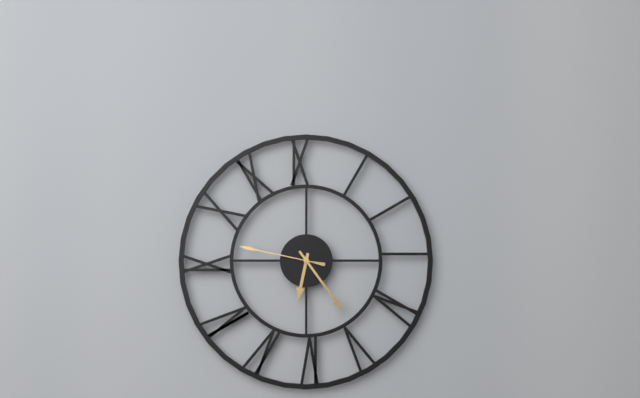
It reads 6 h 24 min 47 s
